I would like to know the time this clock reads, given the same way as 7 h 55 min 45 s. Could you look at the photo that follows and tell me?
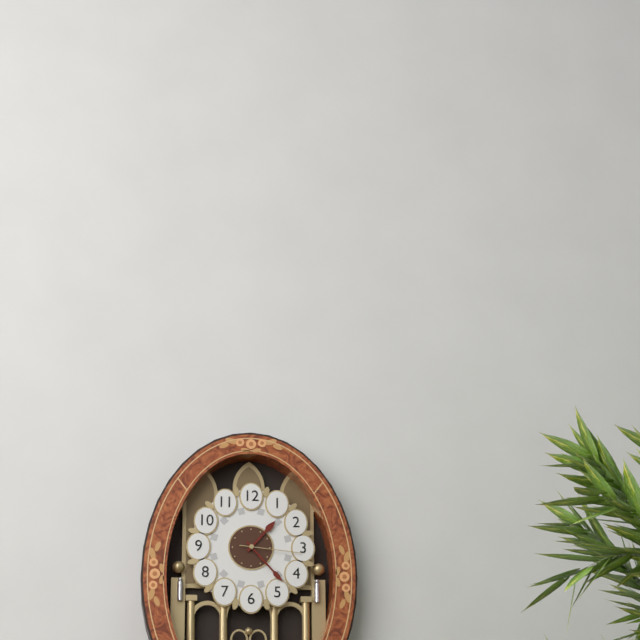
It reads 1 h 23 min 16 s
